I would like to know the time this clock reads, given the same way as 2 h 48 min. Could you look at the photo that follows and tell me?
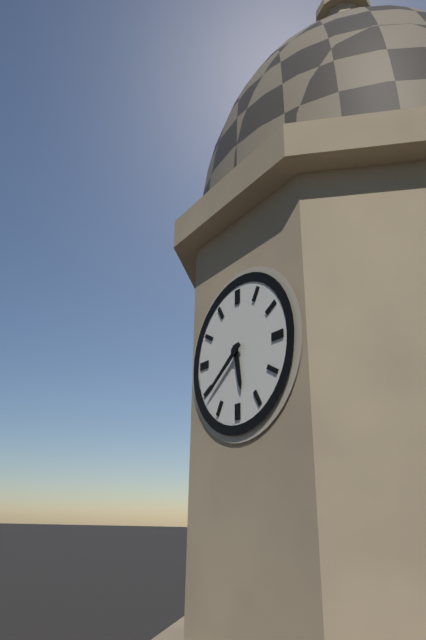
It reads 5 h 39 min
